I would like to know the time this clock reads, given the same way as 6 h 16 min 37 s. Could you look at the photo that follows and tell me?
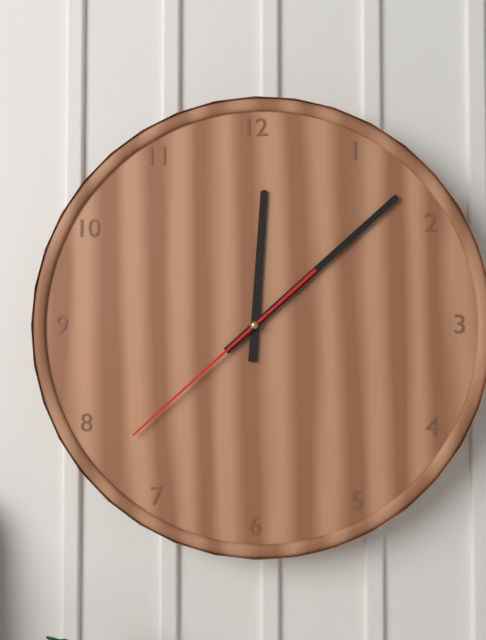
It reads 12 h 08 min 38 s
